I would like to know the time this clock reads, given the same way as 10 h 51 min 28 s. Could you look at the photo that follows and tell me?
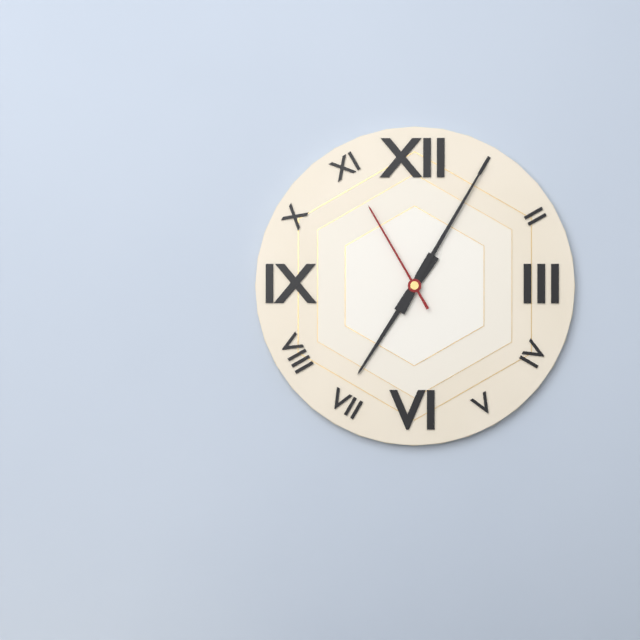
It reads 7 h 05 min 55 s
